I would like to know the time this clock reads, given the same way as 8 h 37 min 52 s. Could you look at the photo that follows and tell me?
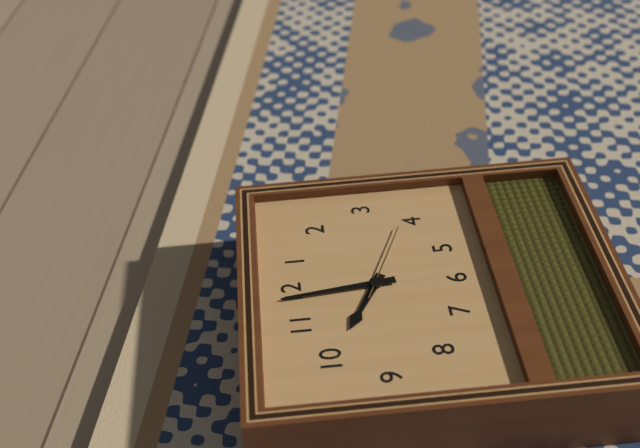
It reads 9 h 59 min 19 s
